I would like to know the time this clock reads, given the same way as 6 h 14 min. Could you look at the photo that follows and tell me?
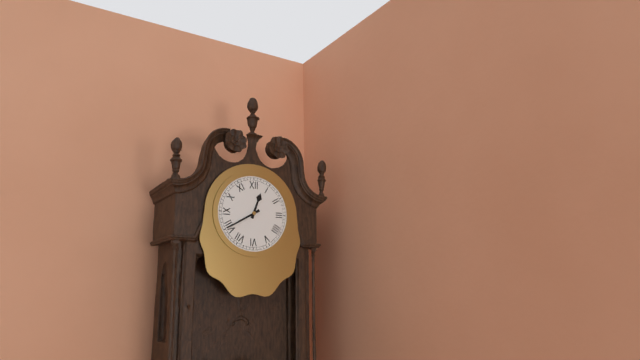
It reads 12 h 40 min
